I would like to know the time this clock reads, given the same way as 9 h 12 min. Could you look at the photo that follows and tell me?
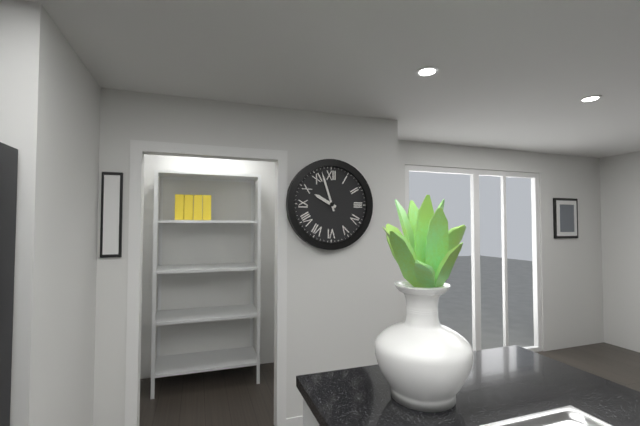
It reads 9 h 57 min
